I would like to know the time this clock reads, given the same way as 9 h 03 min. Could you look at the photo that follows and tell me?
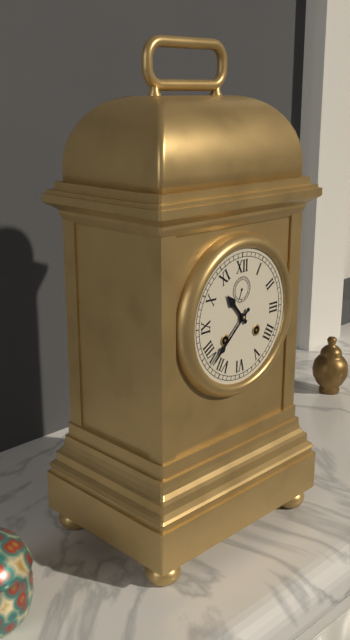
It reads 10 h 38 min
